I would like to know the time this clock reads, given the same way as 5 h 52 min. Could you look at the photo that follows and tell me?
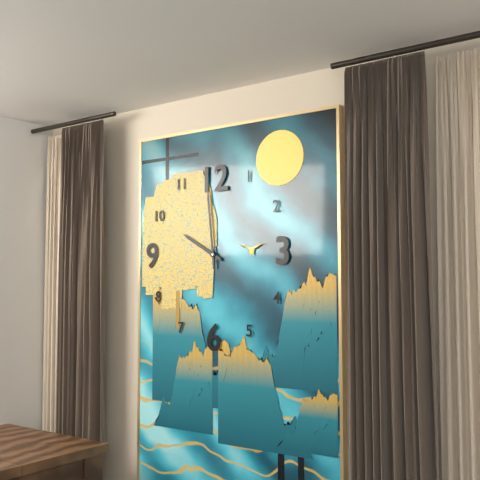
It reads 9 h 59 min
